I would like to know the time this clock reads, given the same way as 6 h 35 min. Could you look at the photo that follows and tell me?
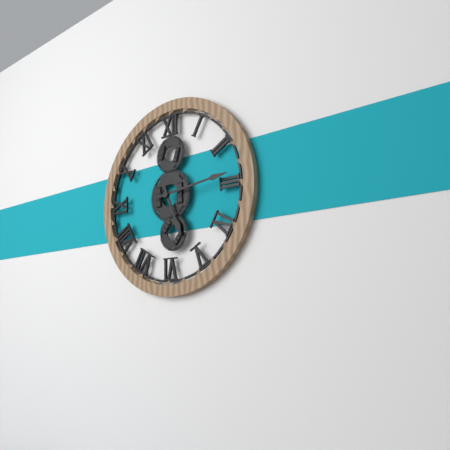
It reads 5 h 14 min
